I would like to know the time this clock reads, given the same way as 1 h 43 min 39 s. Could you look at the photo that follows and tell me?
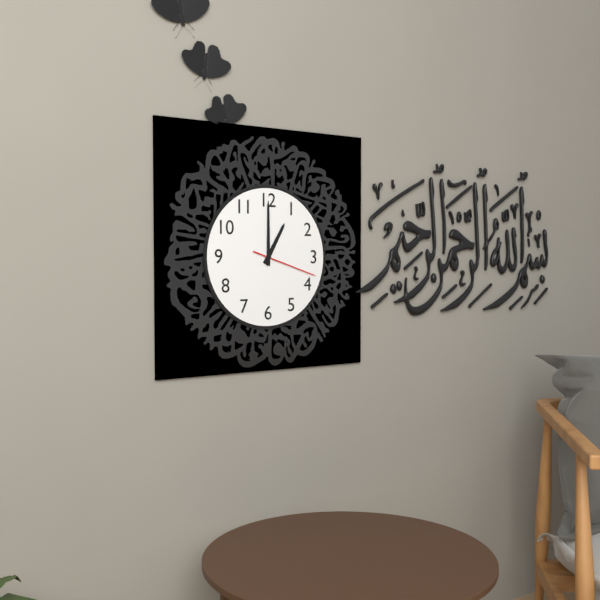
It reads 1 h 00 min 18 s
